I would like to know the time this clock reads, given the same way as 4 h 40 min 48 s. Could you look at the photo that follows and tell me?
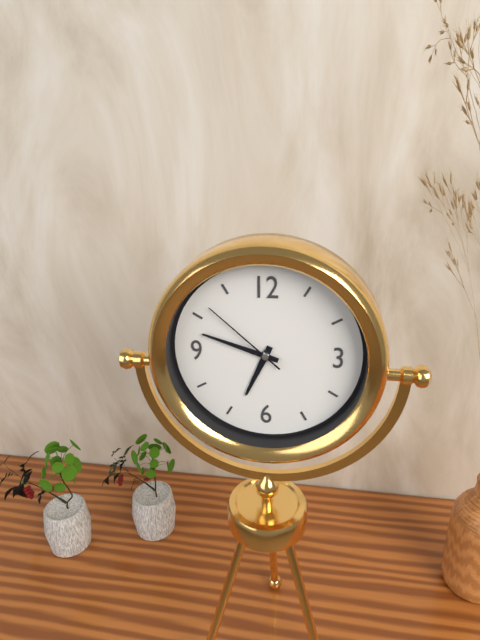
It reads 6 h 48 min 52 s
